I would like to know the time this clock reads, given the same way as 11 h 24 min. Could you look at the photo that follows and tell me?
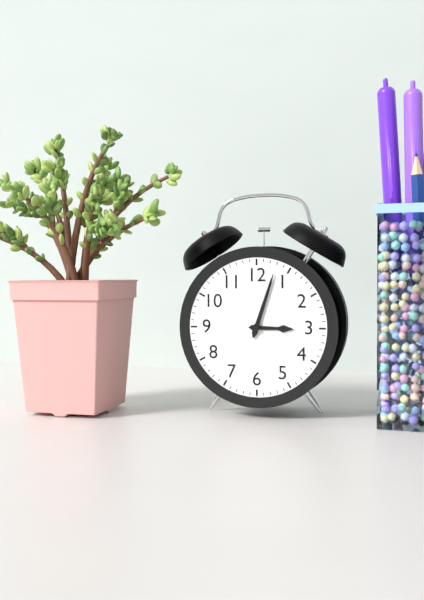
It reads 3 h 03 min
